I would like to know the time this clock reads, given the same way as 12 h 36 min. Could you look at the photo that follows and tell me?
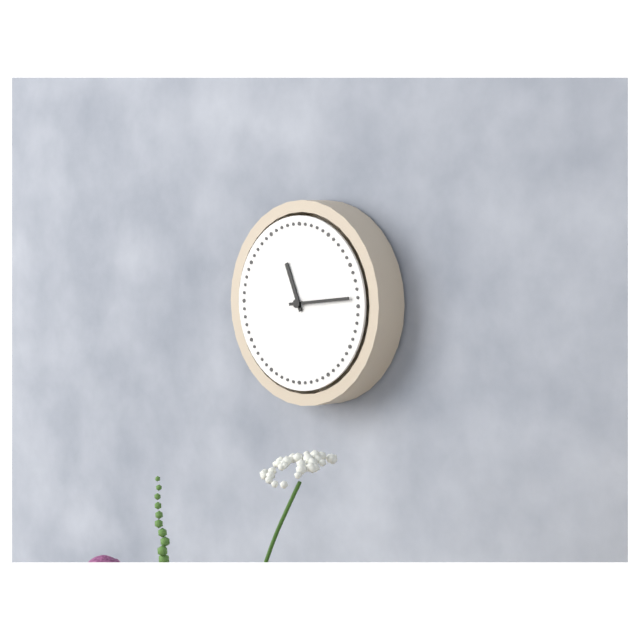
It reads 11 h 14 min
